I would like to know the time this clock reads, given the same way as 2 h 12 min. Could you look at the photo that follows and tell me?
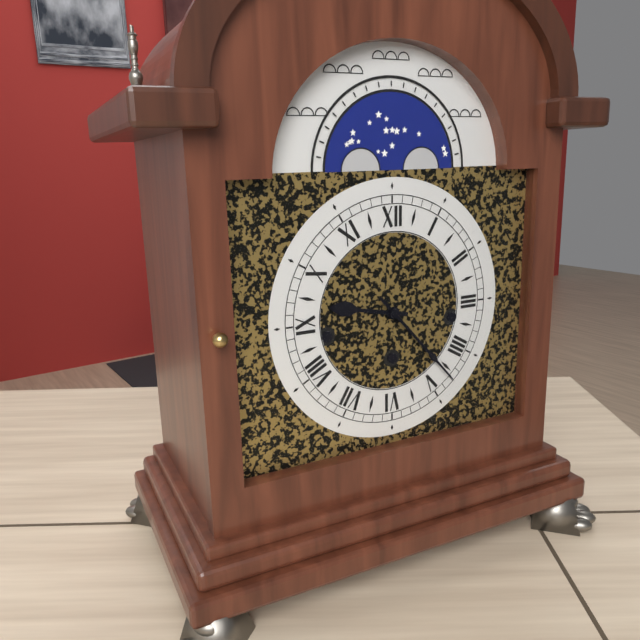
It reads 9 h 23 min
